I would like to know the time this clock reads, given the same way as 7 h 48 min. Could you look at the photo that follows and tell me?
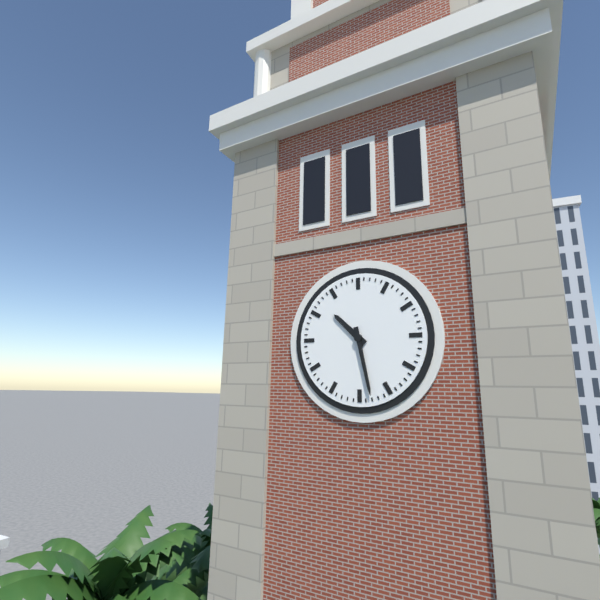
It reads 10 h 28 min
